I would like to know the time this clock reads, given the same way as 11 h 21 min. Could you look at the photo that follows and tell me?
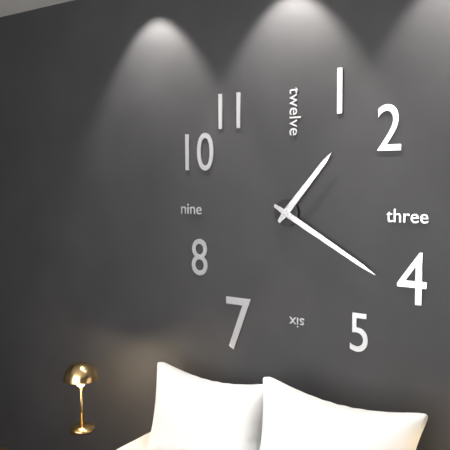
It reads 1 h 20 min
